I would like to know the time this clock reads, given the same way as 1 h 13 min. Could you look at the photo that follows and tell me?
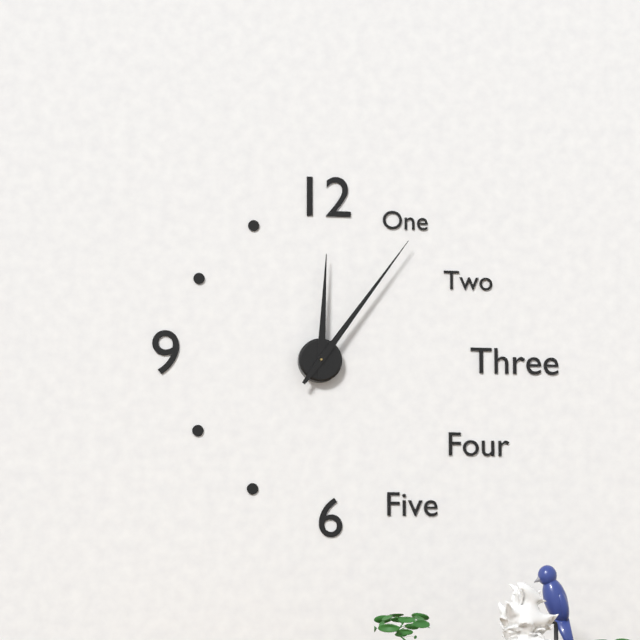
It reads 12 h 06 min
